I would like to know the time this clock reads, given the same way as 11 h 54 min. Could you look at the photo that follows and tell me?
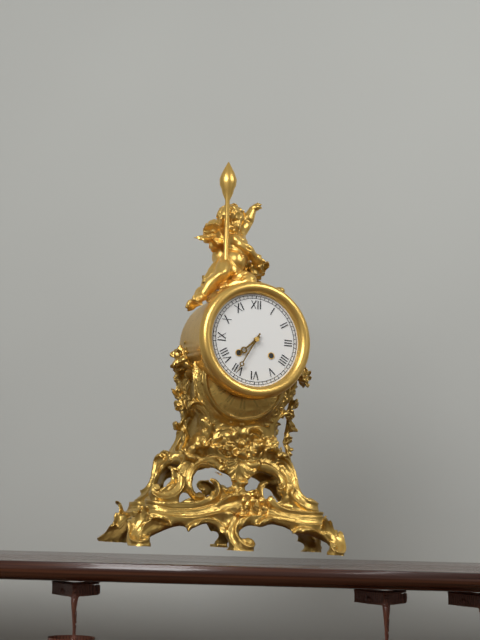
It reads 7 h 35 min
